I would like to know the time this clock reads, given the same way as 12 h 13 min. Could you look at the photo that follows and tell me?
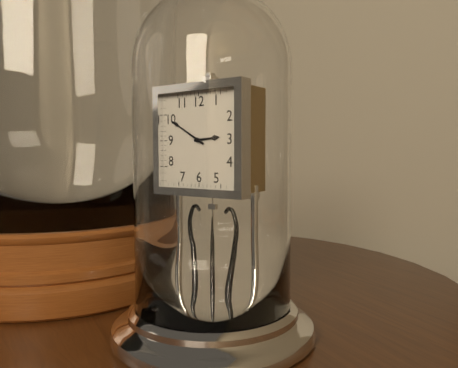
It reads 2 h 50 min
